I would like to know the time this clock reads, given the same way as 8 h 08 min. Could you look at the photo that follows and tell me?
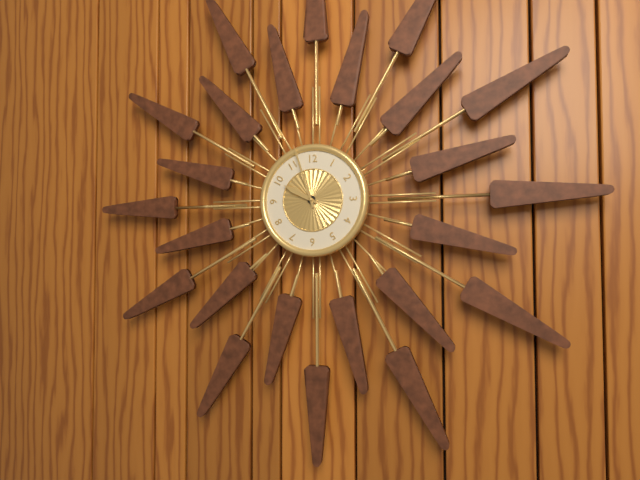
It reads 9 h 57 min
